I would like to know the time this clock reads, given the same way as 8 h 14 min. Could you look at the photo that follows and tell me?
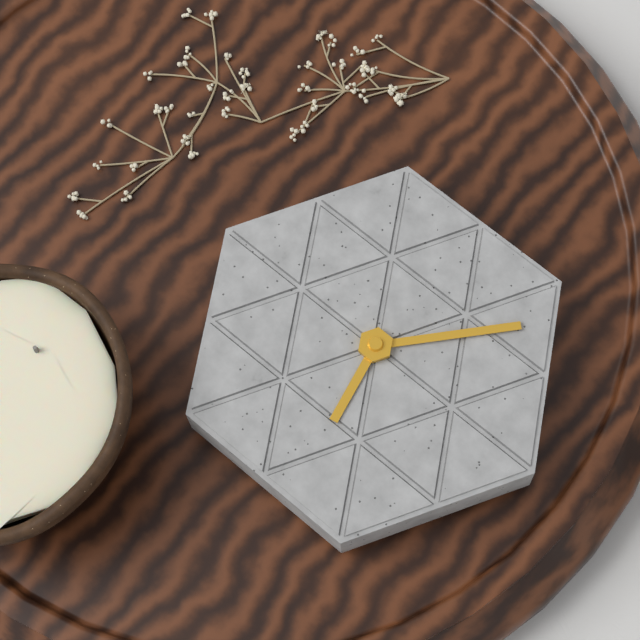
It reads 11 h 37 min
